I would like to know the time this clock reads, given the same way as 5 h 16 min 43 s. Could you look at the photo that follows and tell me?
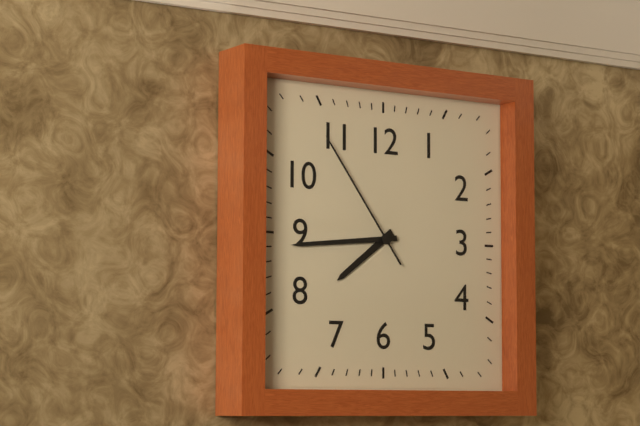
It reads 7 h 44 min 54 s
